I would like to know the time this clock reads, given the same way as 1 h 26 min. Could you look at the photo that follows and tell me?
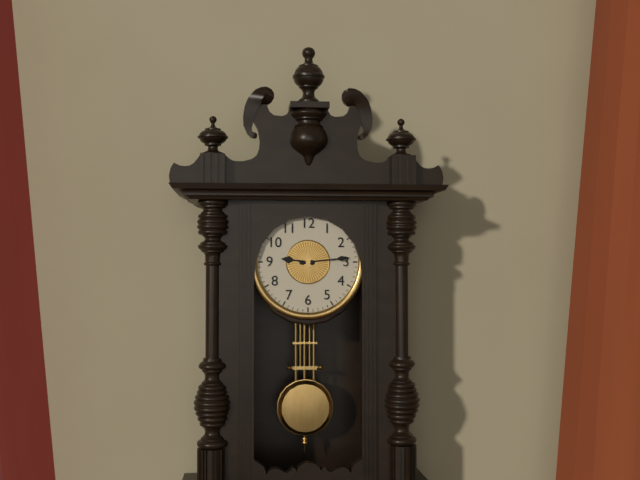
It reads 9 h 14 min
